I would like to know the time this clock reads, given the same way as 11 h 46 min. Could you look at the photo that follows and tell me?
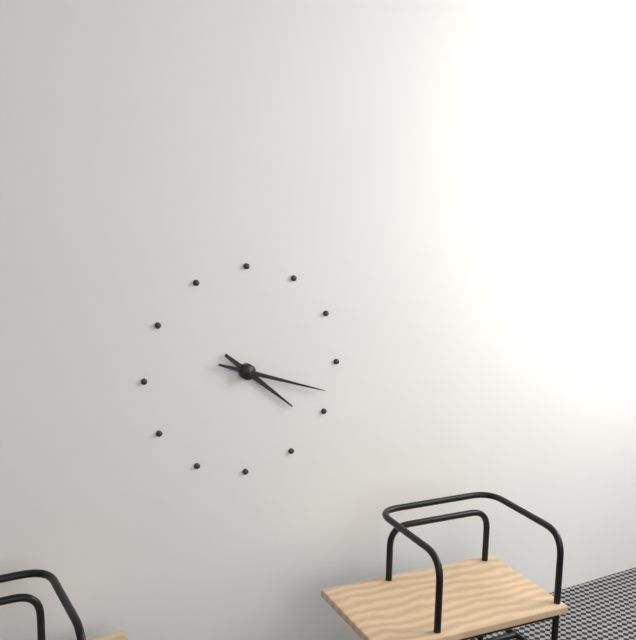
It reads 4 h 18 min
